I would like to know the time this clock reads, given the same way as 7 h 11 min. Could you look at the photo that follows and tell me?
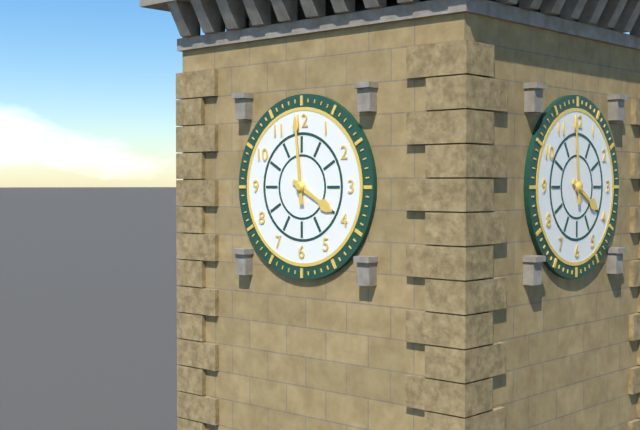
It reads 3 h 59 min
